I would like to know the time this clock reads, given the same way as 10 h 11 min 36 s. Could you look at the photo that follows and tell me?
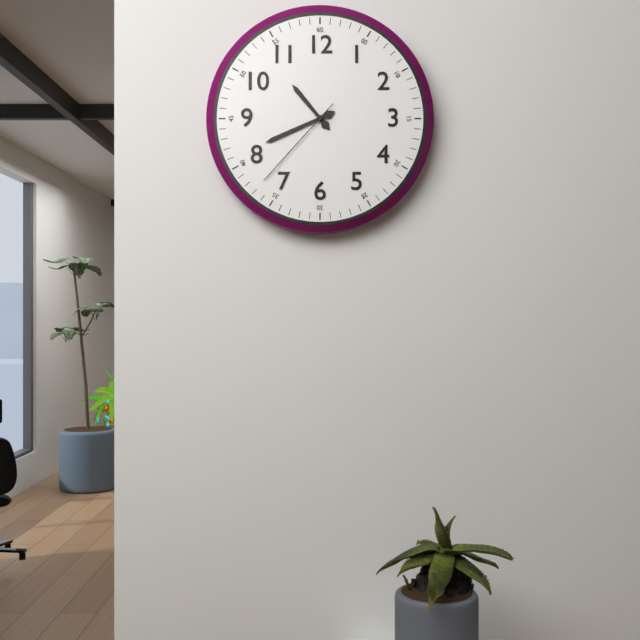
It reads 10 h 41 min 37 s
